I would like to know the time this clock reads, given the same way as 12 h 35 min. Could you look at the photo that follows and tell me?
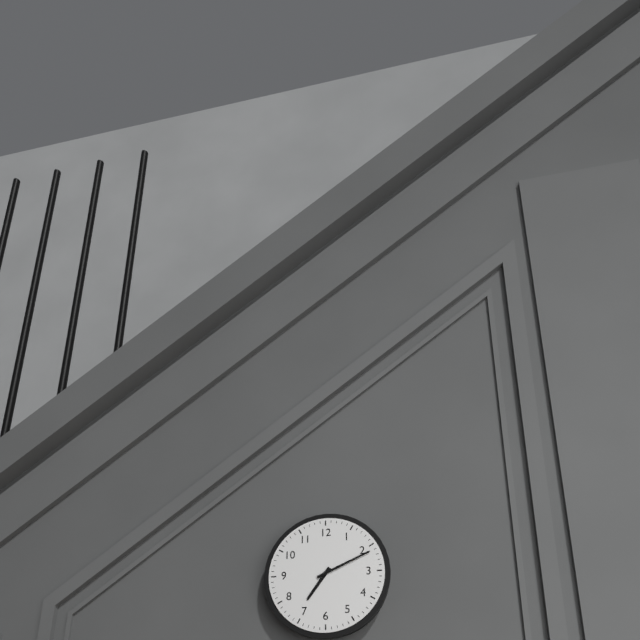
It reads 7 h 11 min
